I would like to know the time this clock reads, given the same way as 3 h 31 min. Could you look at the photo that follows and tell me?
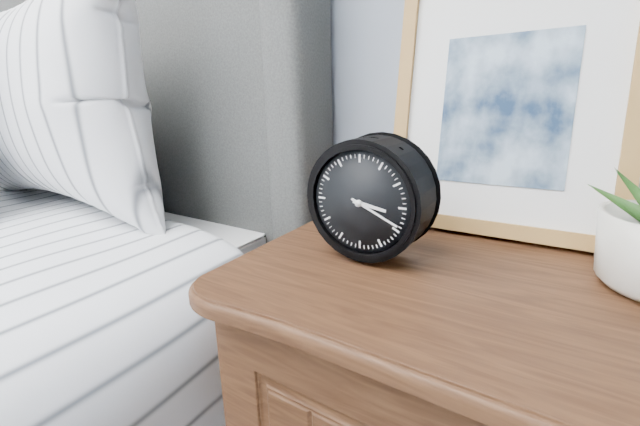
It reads 3 h 19 min
